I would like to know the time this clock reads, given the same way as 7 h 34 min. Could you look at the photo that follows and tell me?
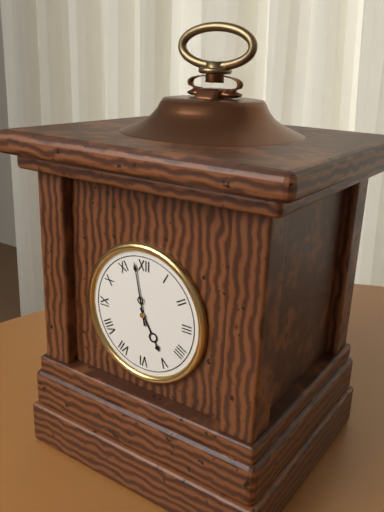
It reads 4 h 58 min
